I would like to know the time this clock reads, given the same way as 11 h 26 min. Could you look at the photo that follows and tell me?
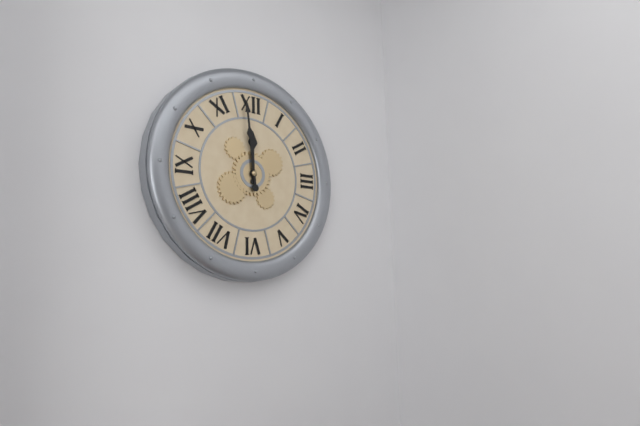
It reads 11 h 59 min
